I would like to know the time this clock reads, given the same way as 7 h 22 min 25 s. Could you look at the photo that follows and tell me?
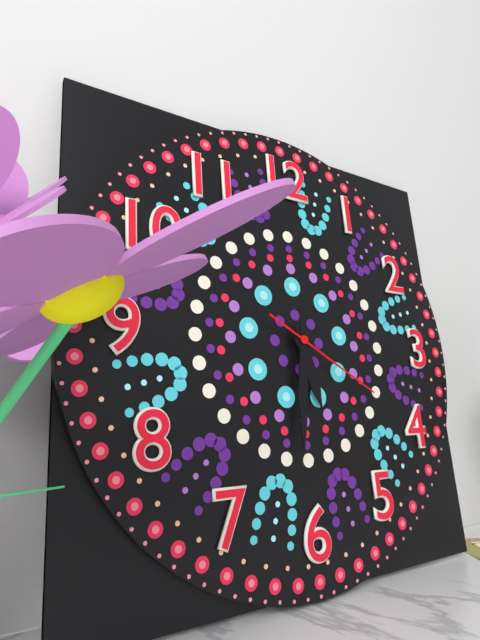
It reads 5 h 31 min 20 s
